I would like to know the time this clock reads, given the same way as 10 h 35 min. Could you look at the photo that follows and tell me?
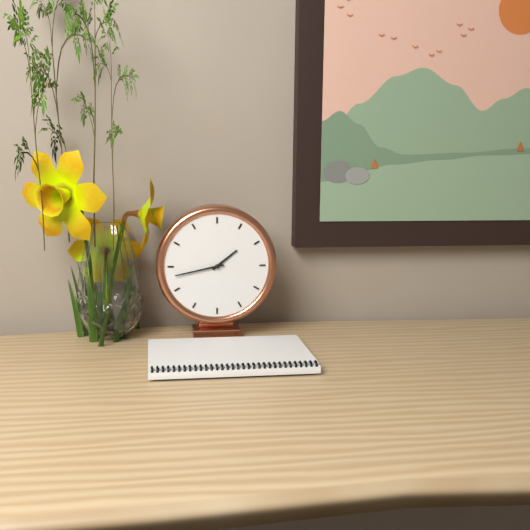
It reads 1 h 43 min
